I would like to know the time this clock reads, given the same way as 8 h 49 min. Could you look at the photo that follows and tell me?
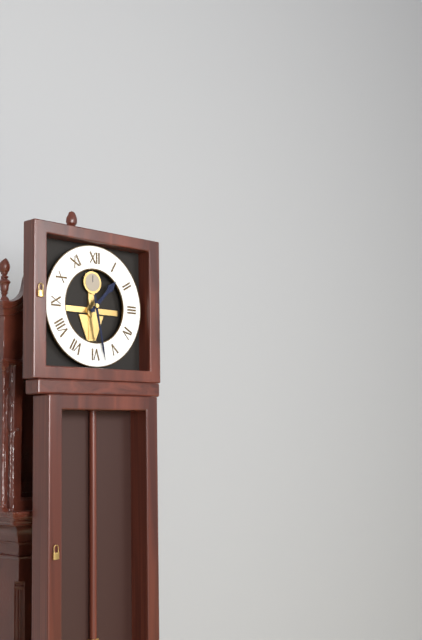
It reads 1 h 28 min
